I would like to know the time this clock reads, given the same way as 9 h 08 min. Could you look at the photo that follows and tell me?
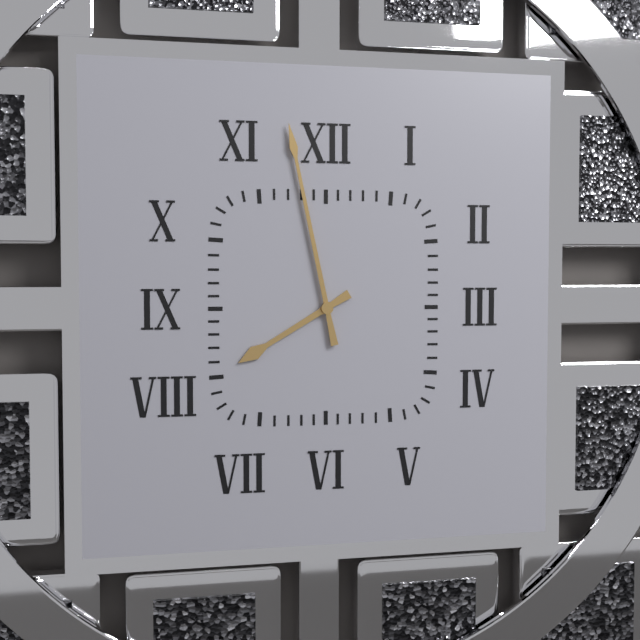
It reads 7 h 58 min
